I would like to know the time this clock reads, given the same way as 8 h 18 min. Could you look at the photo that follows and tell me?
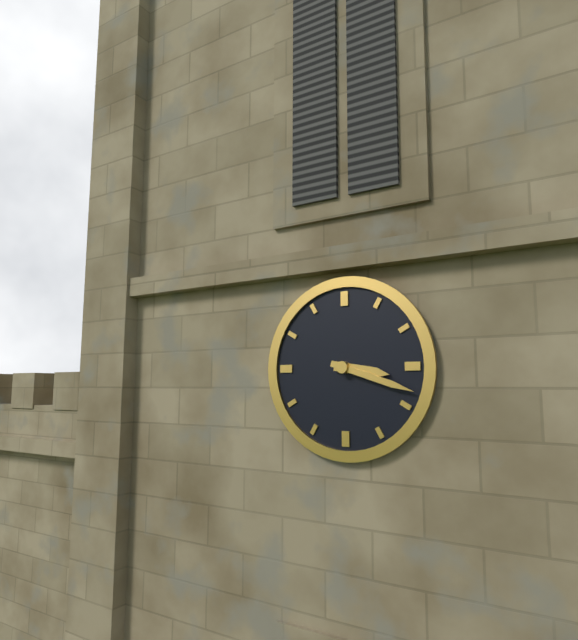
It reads 3 h 18 min
